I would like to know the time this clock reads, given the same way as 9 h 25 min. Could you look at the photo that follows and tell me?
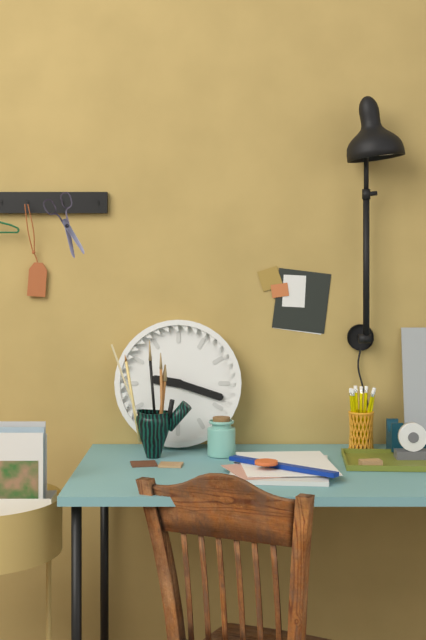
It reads 9 h 18 min
